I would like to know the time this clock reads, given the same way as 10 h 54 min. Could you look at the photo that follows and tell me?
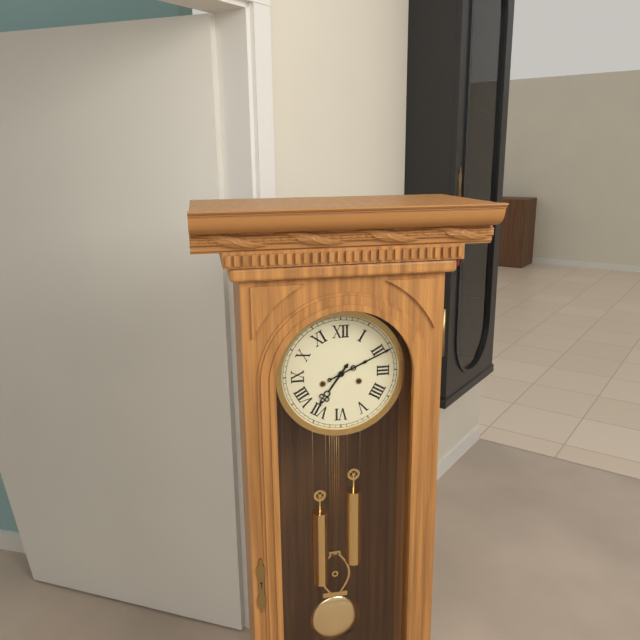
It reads 7 h 11 min
